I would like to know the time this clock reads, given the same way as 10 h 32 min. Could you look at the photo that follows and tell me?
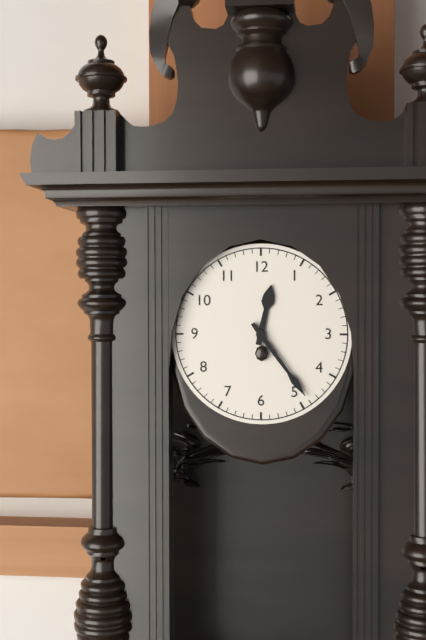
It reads 12 h 24 min
